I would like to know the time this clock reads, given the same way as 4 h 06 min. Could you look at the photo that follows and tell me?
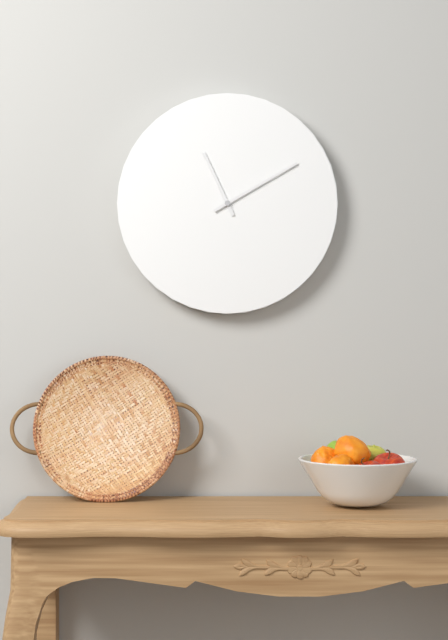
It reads 11 h 10 min
